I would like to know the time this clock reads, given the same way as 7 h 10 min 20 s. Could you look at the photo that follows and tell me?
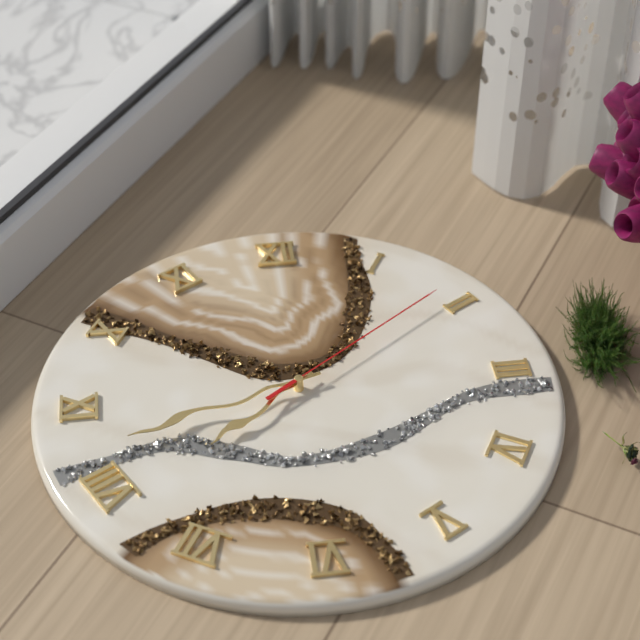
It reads 7 h 42 min 09 s
